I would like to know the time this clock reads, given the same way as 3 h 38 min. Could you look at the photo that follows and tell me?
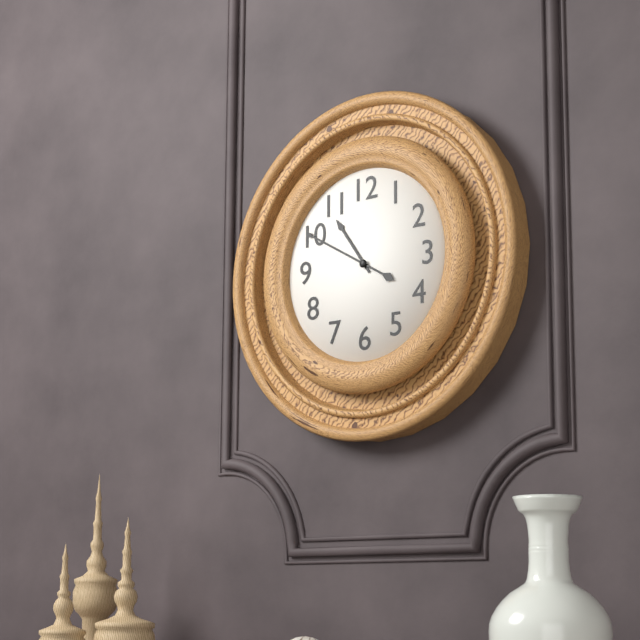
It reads 10 h 50 min
